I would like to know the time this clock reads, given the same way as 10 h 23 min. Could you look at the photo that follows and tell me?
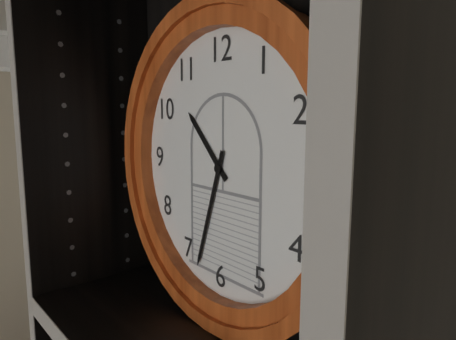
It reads 10 h 33 min
